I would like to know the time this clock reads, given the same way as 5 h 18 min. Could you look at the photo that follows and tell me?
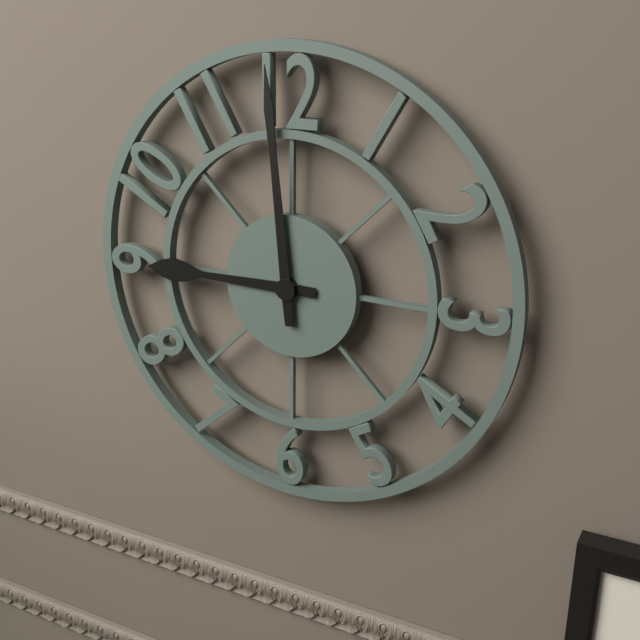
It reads 8 h 59 min
